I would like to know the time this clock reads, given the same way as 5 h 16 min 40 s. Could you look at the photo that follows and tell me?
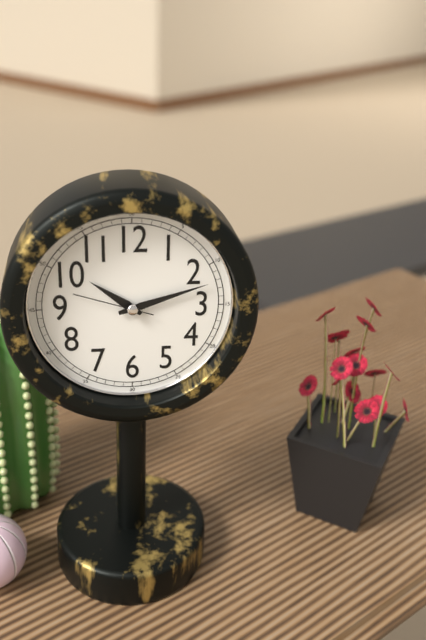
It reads 10 h 12 min 48 s
